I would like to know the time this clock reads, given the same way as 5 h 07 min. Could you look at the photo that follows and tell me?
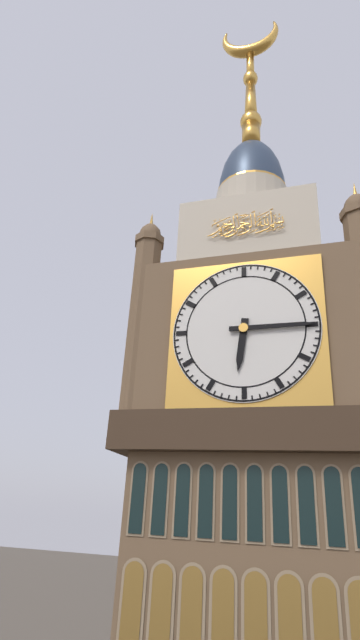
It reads 6 h 15 min
